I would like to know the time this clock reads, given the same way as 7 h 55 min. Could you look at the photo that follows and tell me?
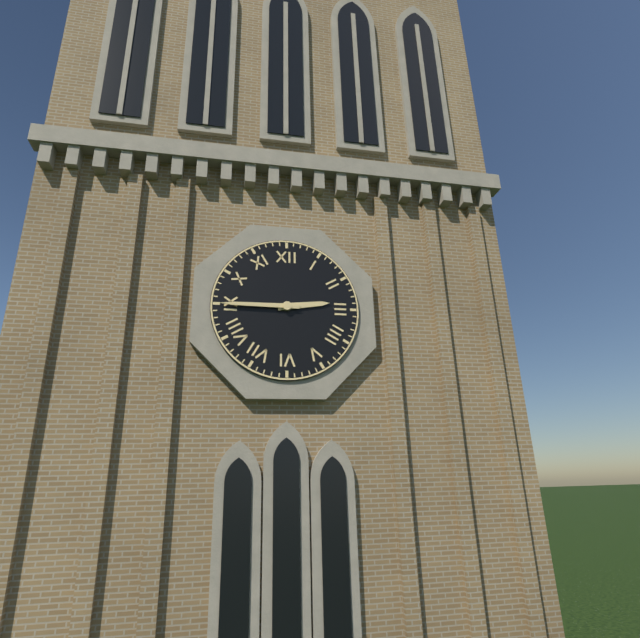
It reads 2 h 45 min
